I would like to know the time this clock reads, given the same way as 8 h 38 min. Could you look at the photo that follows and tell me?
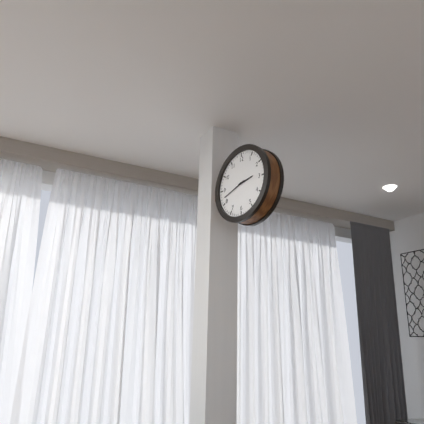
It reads 2 h 42 min
